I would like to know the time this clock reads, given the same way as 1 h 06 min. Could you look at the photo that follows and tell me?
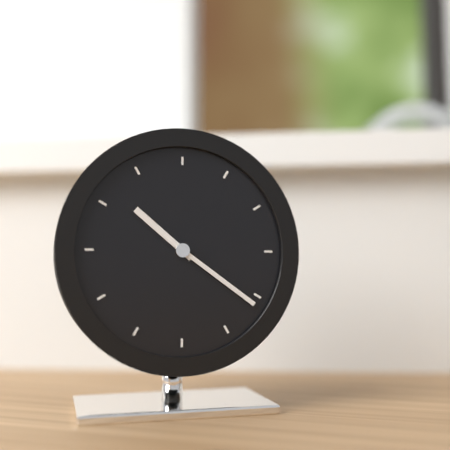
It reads 10 h 21 min
